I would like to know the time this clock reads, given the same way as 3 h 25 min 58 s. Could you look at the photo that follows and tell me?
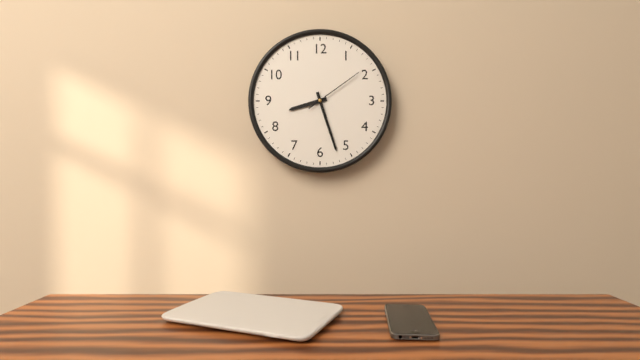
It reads 8 h 27 min 09 s
